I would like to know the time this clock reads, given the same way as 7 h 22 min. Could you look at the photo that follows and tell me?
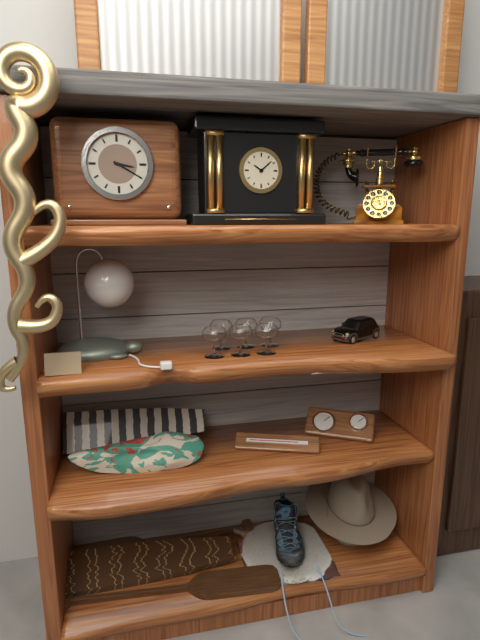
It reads 3 h 20 min
